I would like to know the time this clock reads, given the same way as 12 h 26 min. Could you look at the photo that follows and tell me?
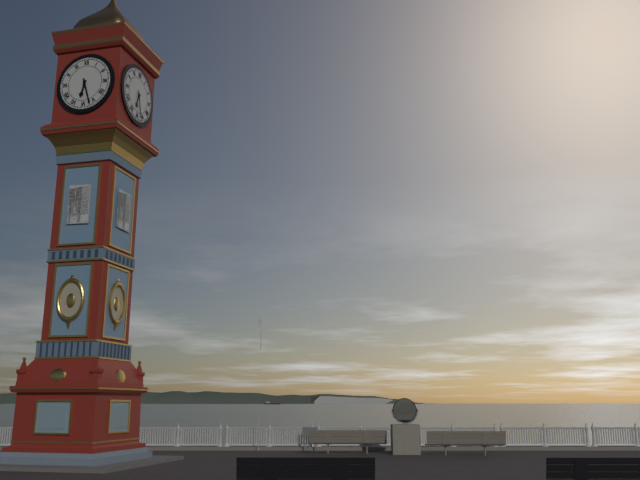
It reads 6 h 27 min
